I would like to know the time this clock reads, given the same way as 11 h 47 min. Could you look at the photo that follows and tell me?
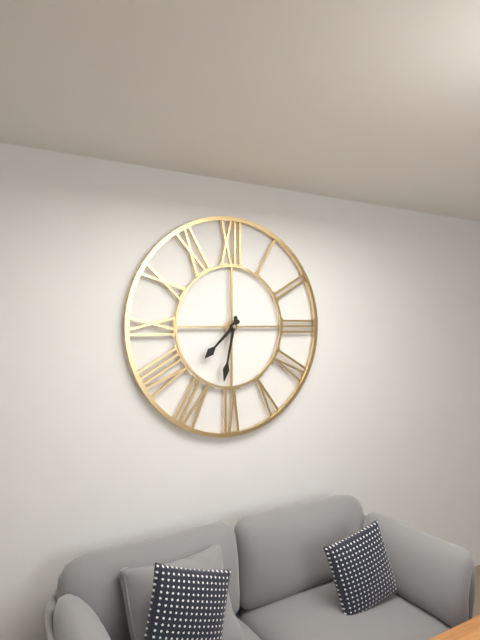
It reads 7 h 32 min
